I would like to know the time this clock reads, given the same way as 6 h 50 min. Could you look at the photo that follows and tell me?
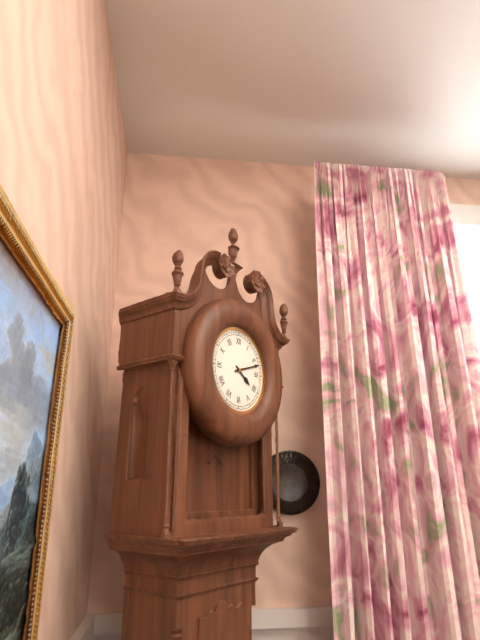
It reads 4 h 12 min
